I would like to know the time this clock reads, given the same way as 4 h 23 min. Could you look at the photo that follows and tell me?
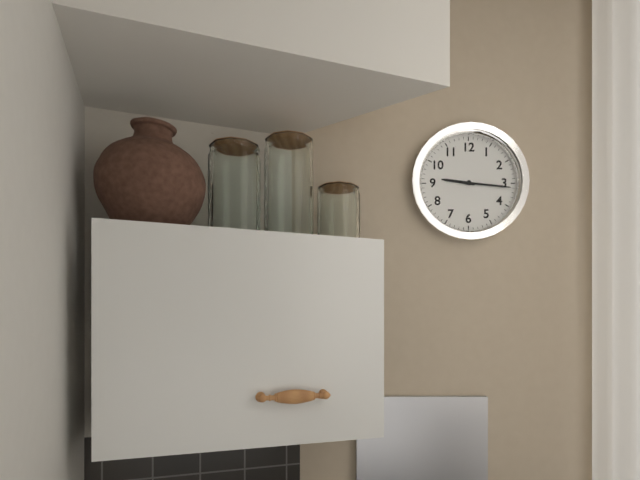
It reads 9 h 16 min
